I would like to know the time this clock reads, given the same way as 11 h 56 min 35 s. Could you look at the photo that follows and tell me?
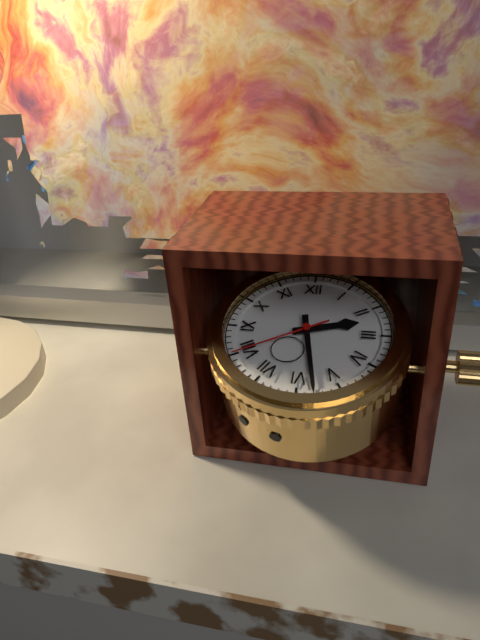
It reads 2 h 28 min 40 s
